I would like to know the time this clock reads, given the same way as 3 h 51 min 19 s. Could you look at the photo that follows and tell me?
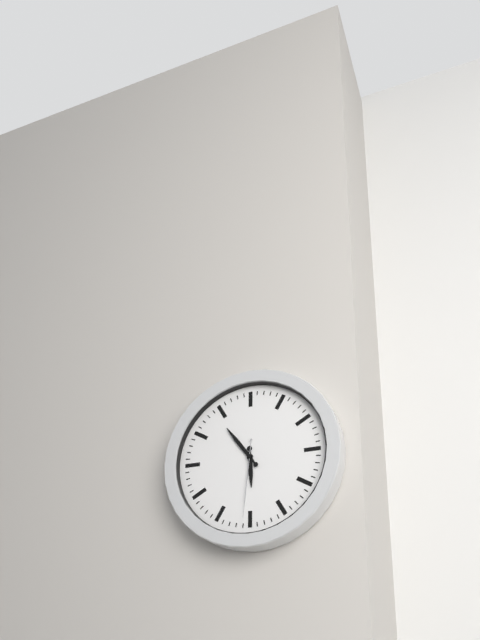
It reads 5 h 54 min 31 s
